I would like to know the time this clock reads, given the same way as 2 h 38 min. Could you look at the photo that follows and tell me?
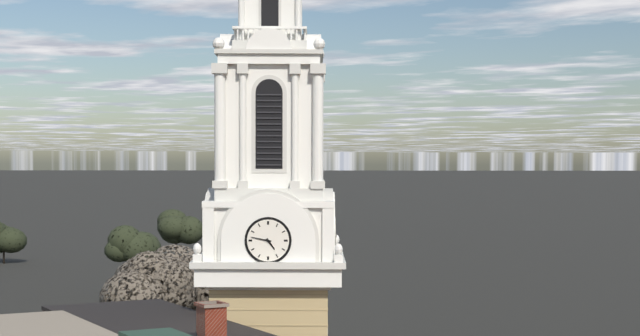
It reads 4 h 47 min
